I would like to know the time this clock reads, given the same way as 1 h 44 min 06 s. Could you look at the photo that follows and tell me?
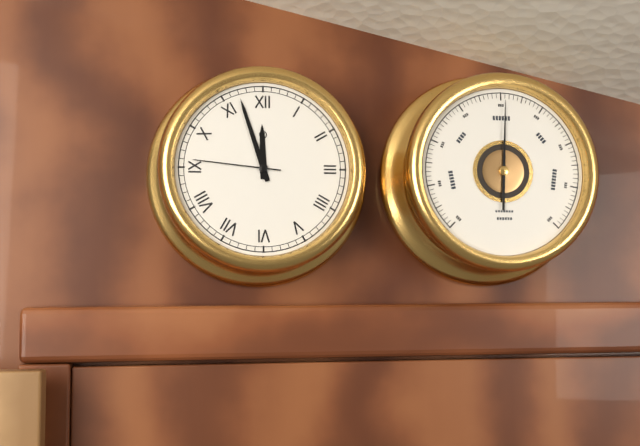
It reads 11 h 57 min 46 s
